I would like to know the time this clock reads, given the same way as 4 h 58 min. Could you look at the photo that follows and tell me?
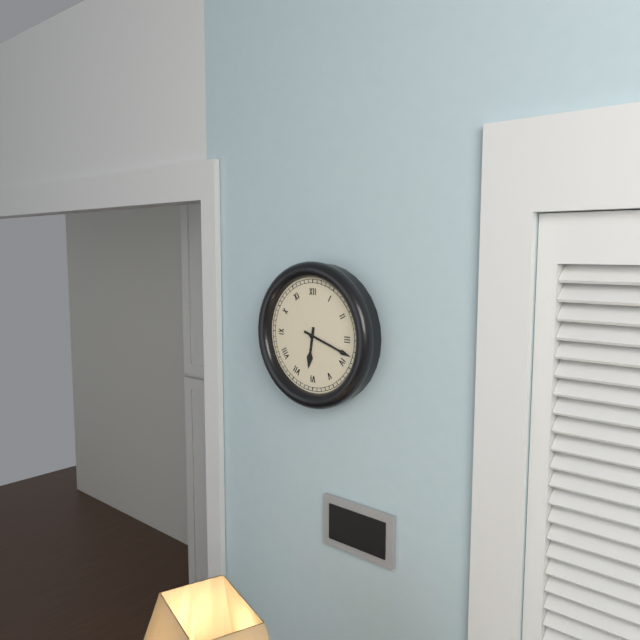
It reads 6 h 18 min
